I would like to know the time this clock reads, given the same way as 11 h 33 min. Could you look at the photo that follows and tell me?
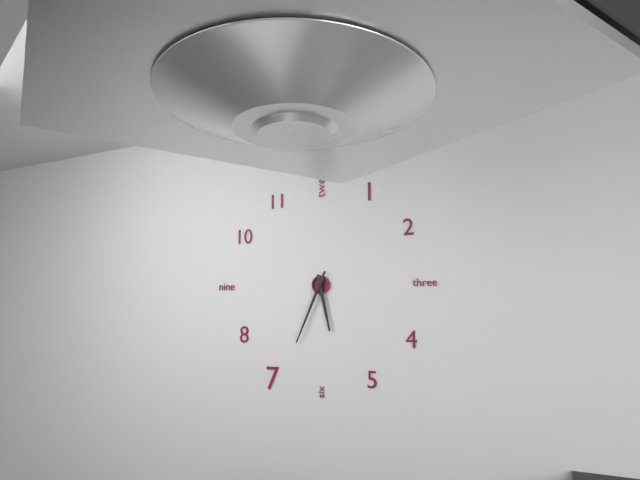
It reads 5 h 34 min
